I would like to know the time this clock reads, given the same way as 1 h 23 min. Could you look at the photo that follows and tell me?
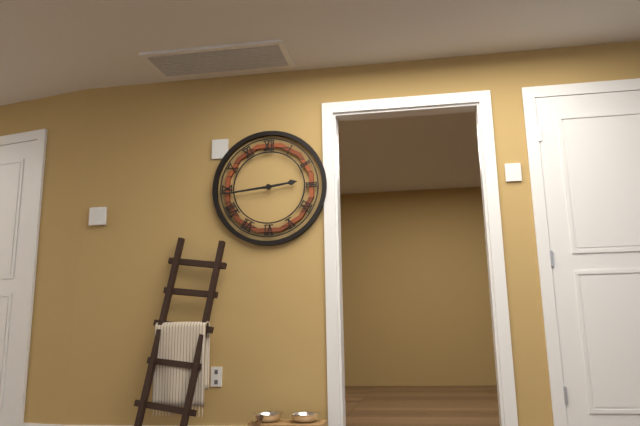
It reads 2 h 44 min
